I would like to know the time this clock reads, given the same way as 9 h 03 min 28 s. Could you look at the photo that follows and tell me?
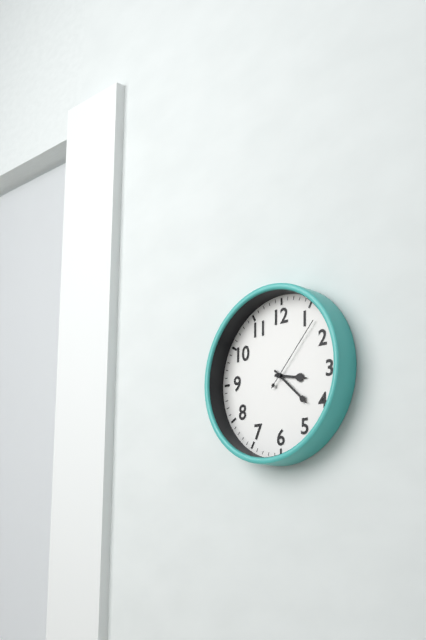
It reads 3 h 22 min 07 s
